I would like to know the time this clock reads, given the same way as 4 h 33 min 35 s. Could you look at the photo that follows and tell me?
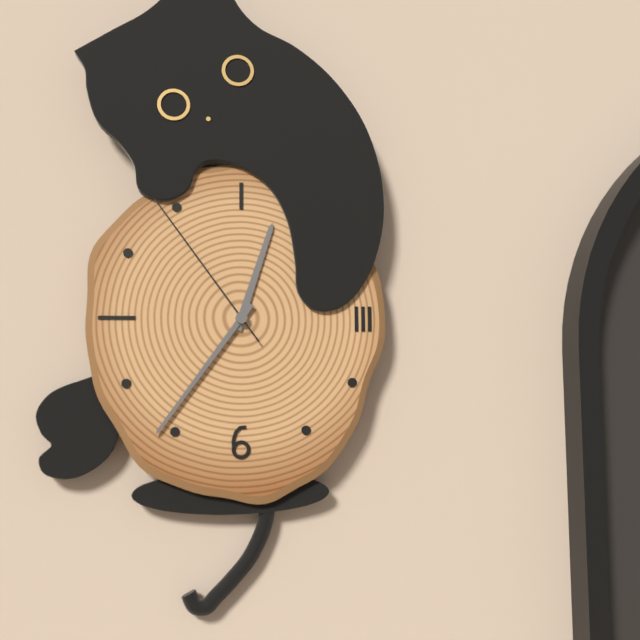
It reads 12 h 36 min 54 s
